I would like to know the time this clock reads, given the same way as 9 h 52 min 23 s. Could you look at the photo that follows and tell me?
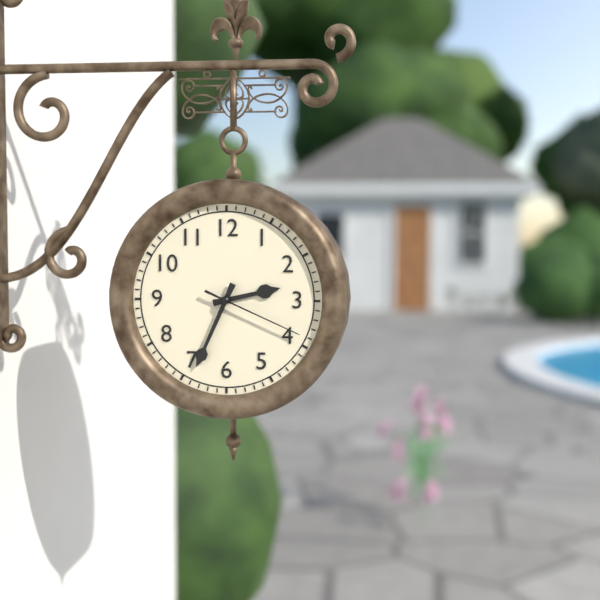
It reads 2 h 34 min 19 s
